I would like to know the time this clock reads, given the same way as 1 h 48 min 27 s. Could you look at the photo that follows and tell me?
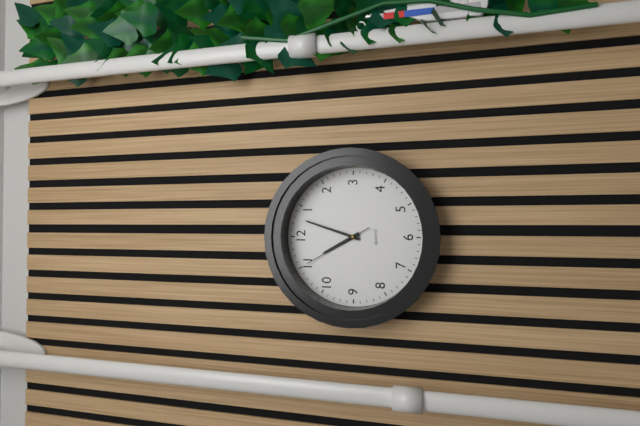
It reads 11 h 03 min 55 s
